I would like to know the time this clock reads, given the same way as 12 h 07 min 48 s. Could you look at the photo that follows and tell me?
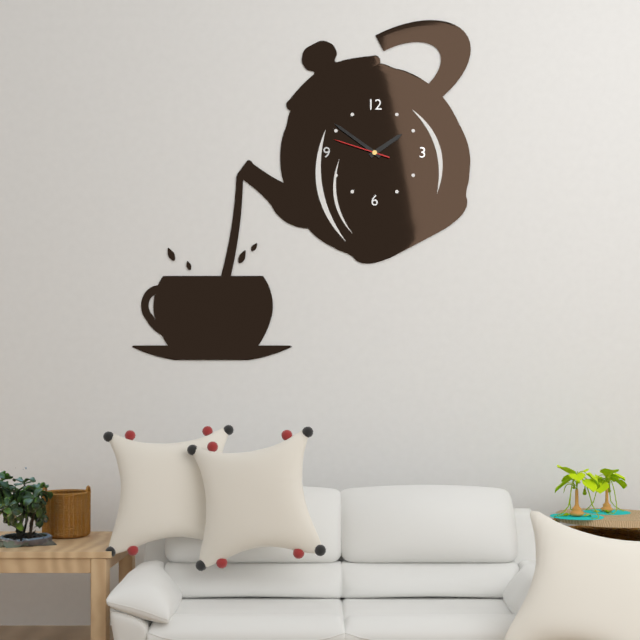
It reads 1 h 51 min 48 s
